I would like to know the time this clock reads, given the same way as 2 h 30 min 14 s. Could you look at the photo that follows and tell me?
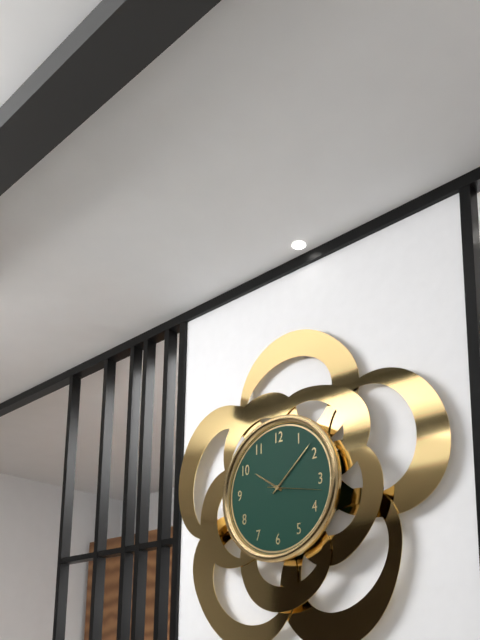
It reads 10 h 08 min 17 s
